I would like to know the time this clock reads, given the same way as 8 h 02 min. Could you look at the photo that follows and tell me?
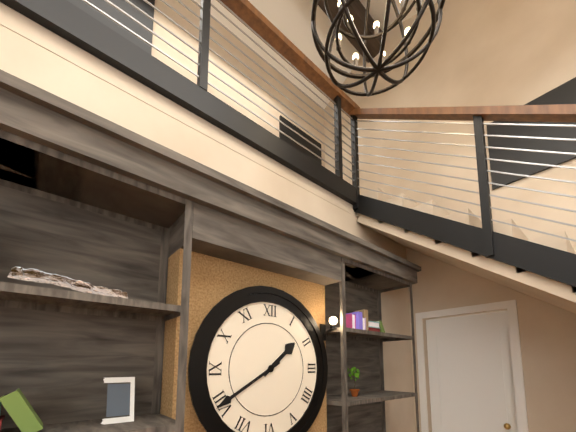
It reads 1 h 40 min
